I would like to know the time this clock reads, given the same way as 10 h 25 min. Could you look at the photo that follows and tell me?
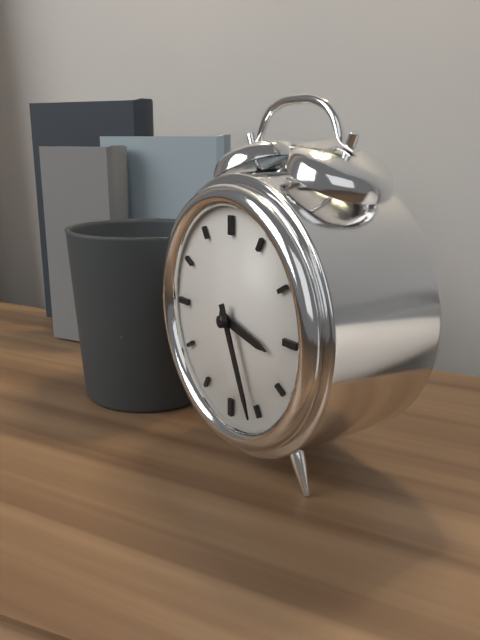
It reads 3 h 26 min
